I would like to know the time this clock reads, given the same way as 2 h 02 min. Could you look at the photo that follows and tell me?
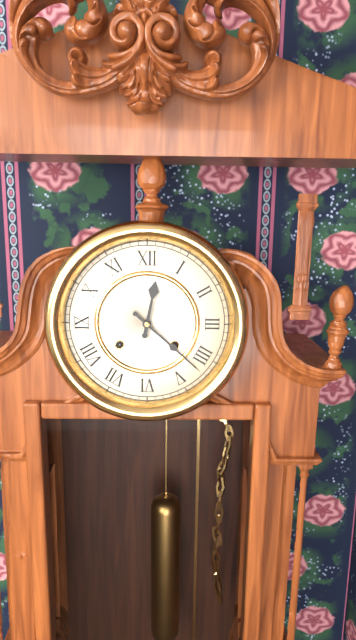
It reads 12 h 22 min
